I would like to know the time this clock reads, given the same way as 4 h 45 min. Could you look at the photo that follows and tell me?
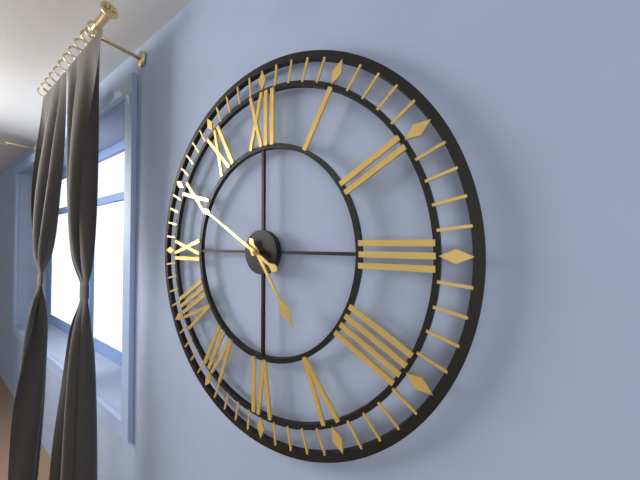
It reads 4 h 50 min
